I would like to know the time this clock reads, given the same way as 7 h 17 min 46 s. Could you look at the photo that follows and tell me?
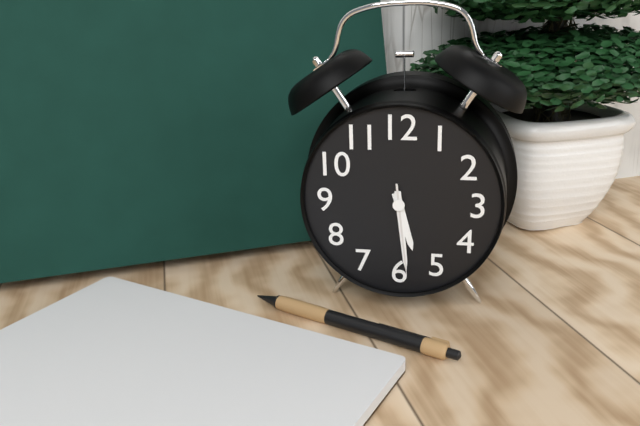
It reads 5 h 29 min 29 s
